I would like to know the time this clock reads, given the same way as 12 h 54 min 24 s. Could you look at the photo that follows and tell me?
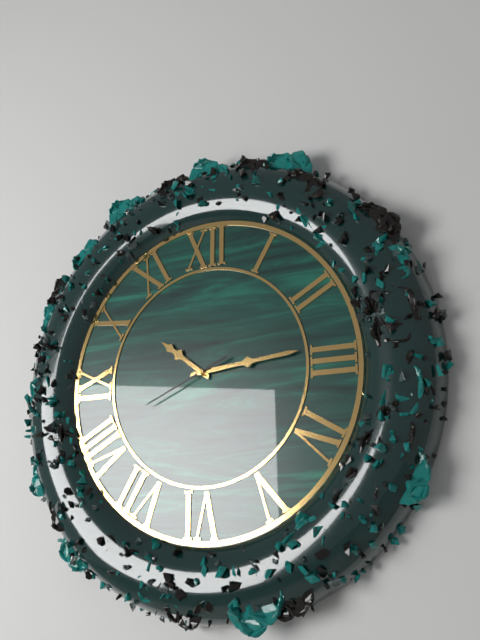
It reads 10 h 14 min 41 s
